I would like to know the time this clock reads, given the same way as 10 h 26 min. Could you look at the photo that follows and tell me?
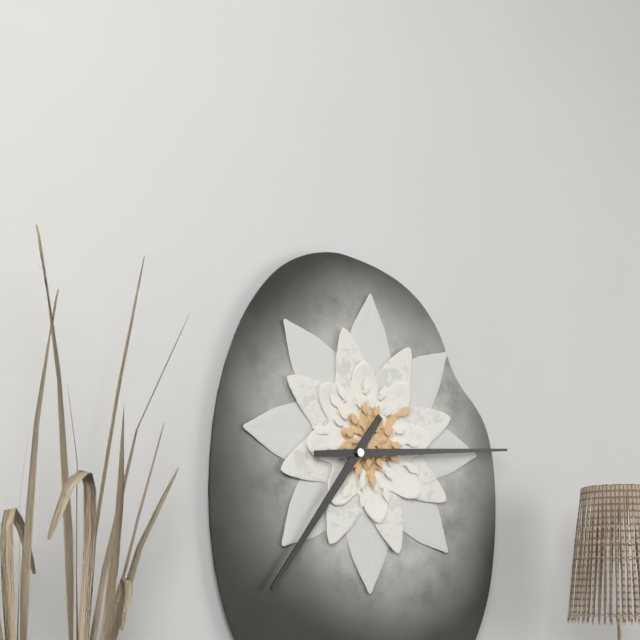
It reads 7 h 14 min
